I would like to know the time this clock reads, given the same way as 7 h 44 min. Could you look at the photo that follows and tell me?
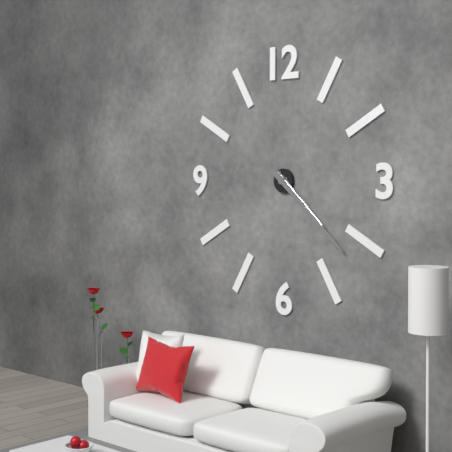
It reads 4 h 22 min
